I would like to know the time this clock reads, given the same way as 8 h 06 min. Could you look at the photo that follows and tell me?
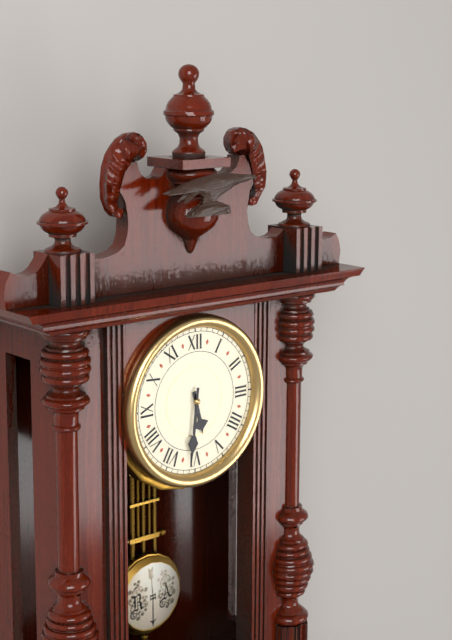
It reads 5 h 31 min
